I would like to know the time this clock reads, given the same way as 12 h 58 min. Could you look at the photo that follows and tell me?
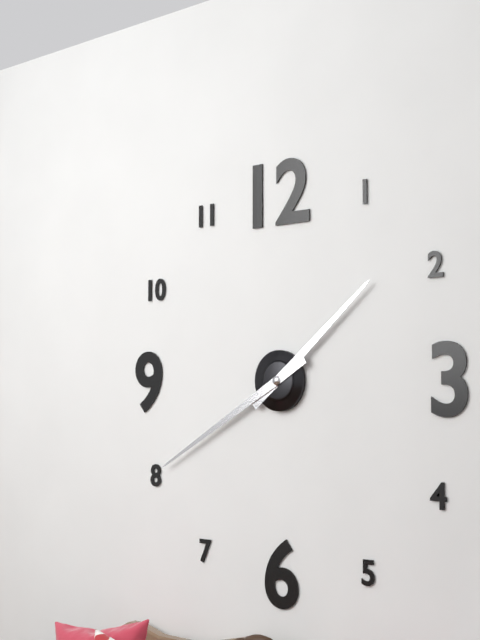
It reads 1 h 40 min
